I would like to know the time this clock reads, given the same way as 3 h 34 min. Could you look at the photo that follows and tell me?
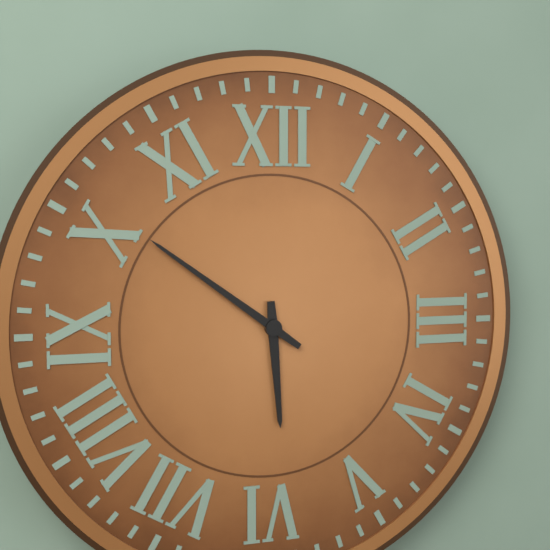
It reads 5 h 51 min
